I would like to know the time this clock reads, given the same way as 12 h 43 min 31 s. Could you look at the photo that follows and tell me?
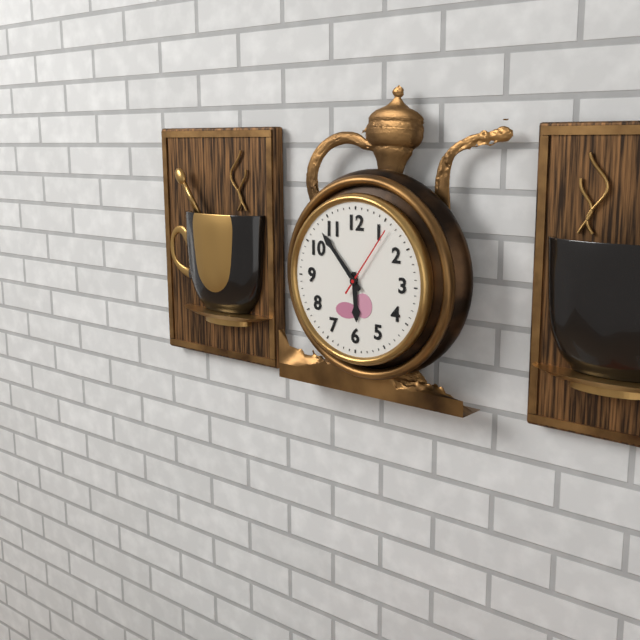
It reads 5 h 53 min 06 s
